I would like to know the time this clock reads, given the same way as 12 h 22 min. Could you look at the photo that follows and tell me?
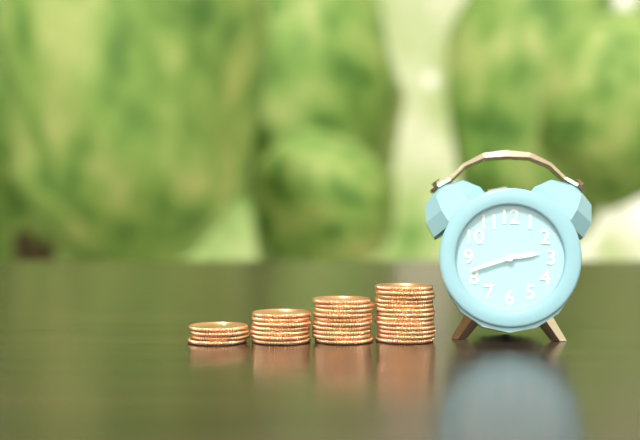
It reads 2 h 42 min
